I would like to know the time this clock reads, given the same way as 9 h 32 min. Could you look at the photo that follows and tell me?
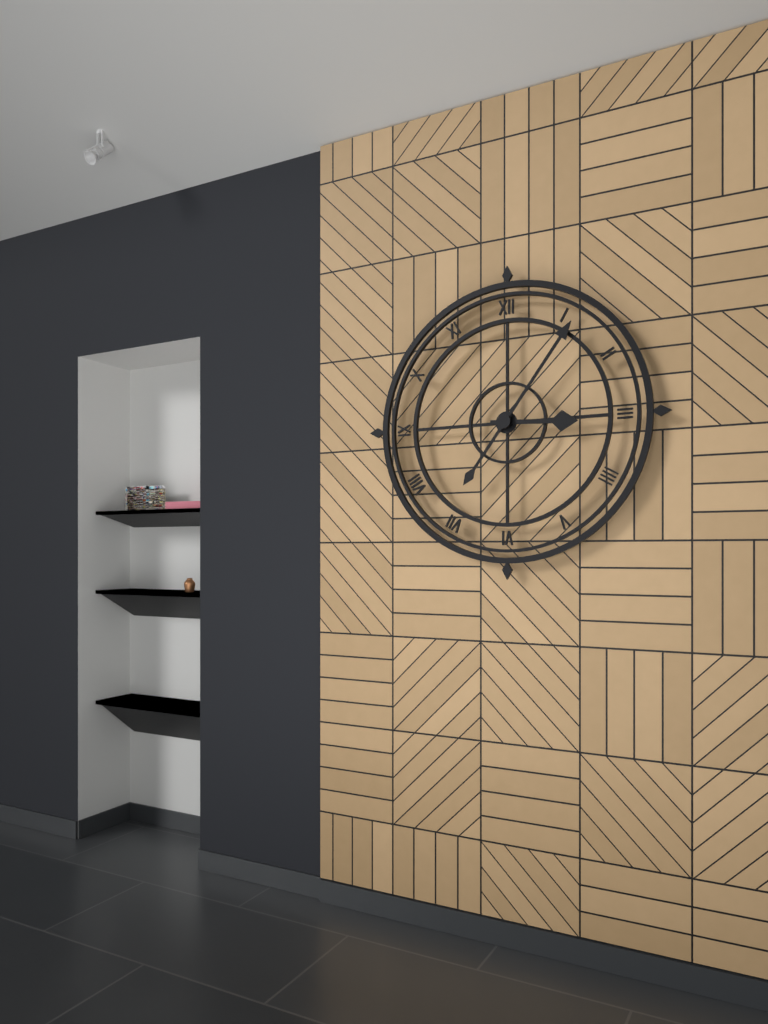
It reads 3 h 06 min
